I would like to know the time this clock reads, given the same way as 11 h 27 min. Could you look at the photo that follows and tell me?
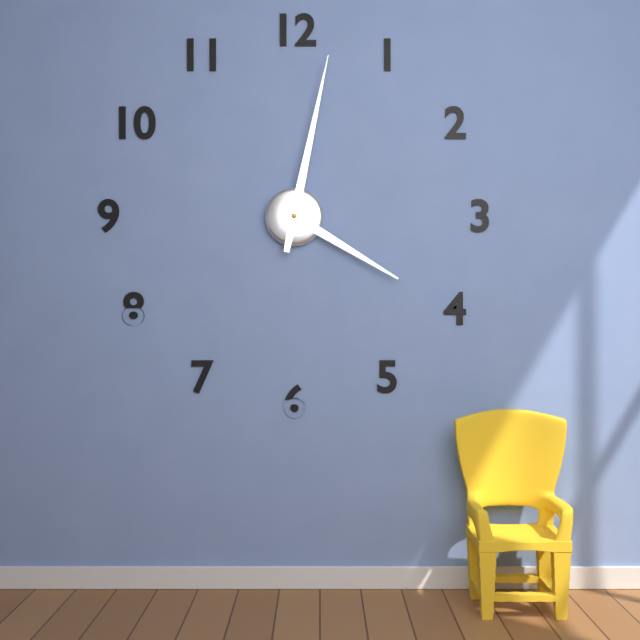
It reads 4 h 02 min
